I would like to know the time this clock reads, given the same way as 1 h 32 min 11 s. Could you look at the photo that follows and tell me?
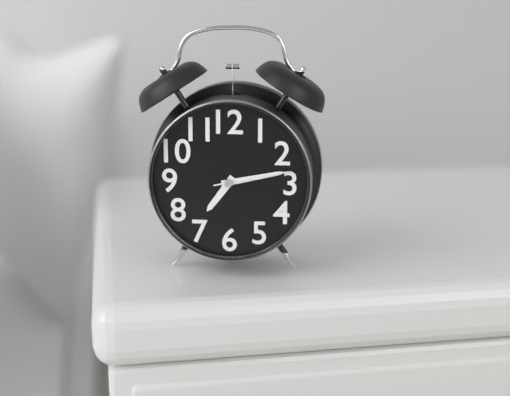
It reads 7 h 13 min 13 s
